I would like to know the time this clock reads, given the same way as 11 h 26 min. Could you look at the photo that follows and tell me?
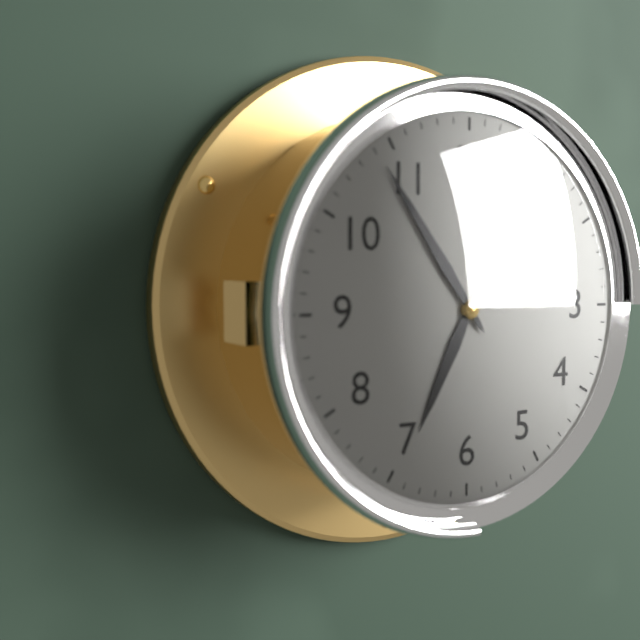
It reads 6 h 54 min
